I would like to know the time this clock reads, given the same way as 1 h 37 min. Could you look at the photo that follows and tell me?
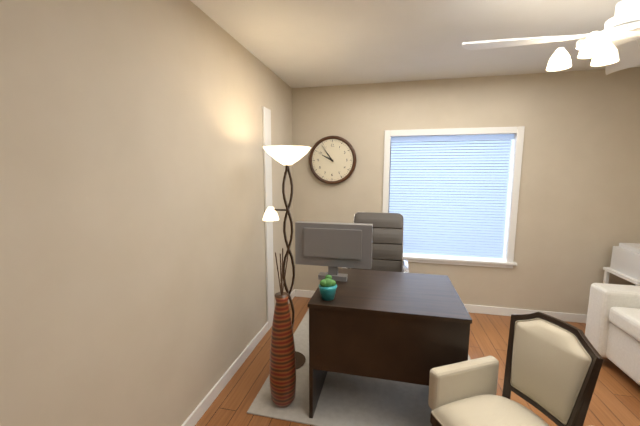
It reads 9 h 54 min
